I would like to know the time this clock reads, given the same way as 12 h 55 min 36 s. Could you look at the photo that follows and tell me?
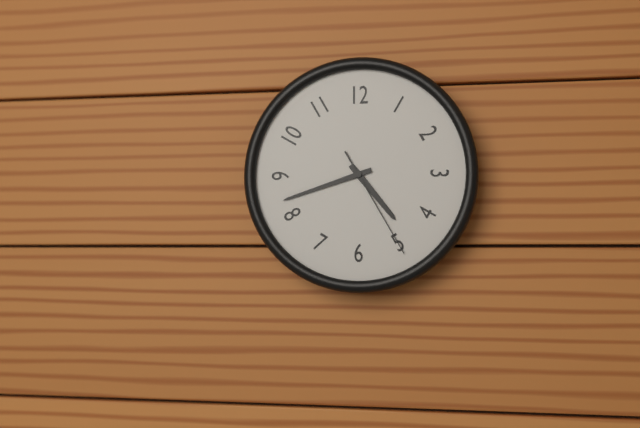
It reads 4 h 42 min 25 s
